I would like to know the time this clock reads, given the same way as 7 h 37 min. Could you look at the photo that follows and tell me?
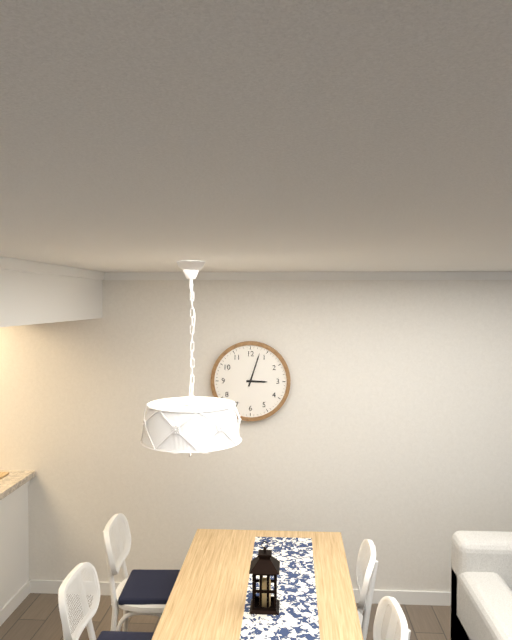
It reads 3 h 03 min
